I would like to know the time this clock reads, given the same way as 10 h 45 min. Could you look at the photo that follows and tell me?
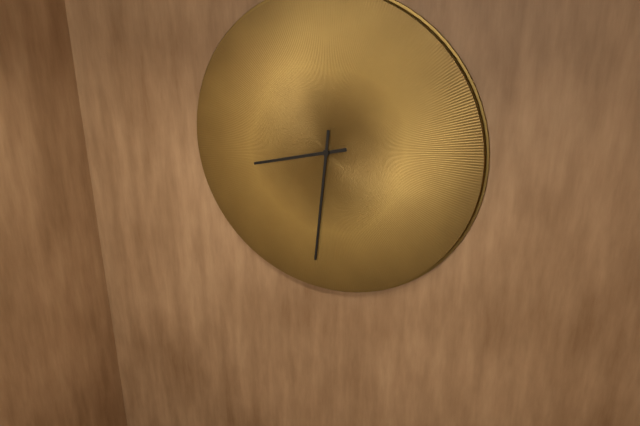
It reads 8 h 31 min
